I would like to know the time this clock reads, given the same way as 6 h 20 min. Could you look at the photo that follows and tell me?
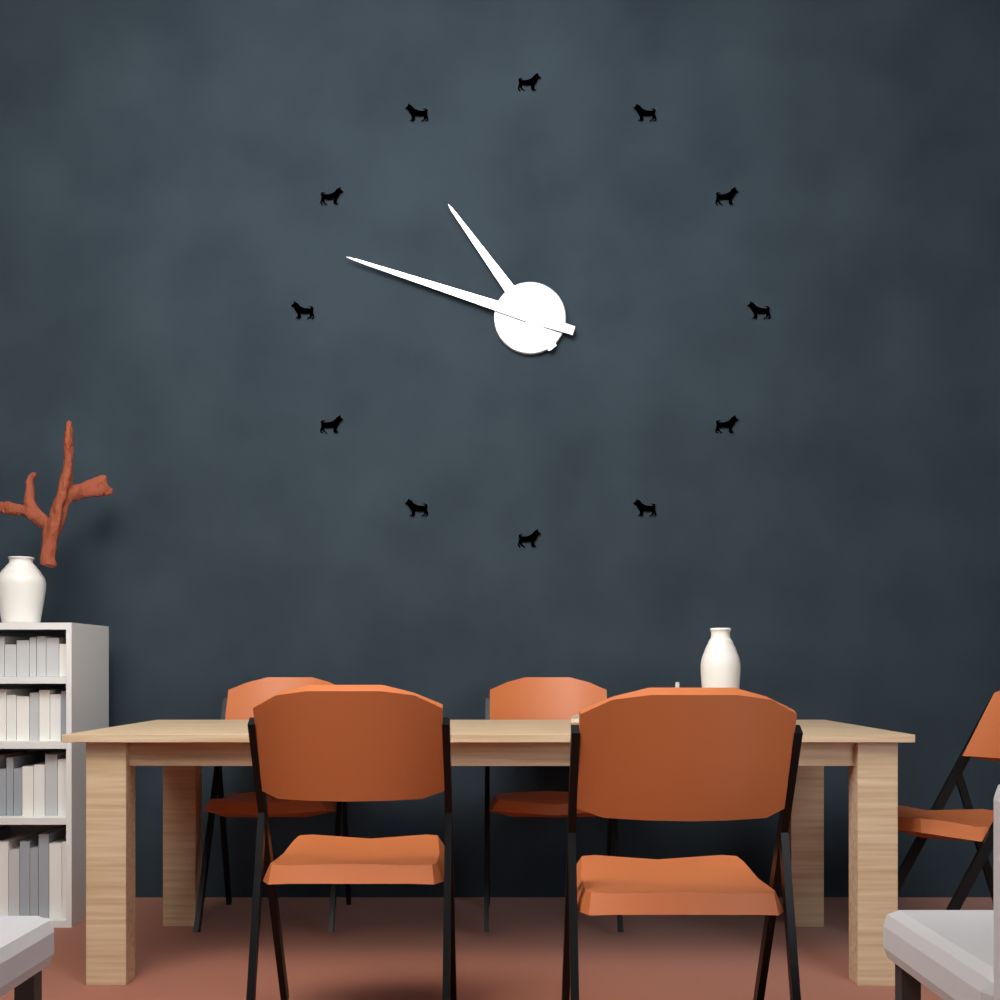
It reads 10 h 48 min
